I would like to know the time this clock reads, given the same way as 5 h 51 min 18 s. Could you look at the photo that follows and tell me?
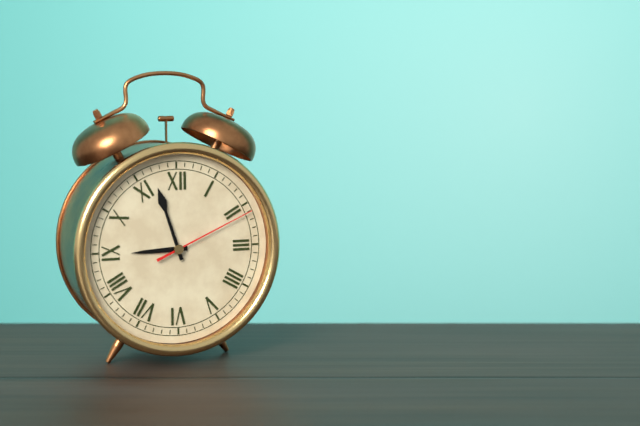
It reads 8 h 57 min 11 s
